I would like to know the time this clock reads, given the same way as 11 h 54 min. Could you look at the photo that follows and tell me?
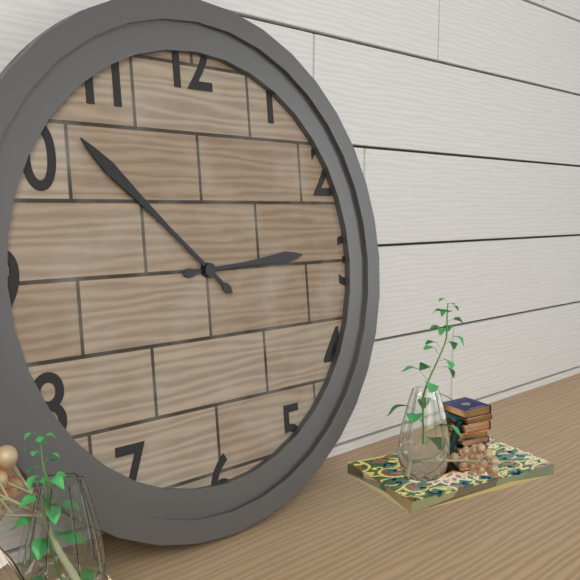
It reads 2 h 52 min
